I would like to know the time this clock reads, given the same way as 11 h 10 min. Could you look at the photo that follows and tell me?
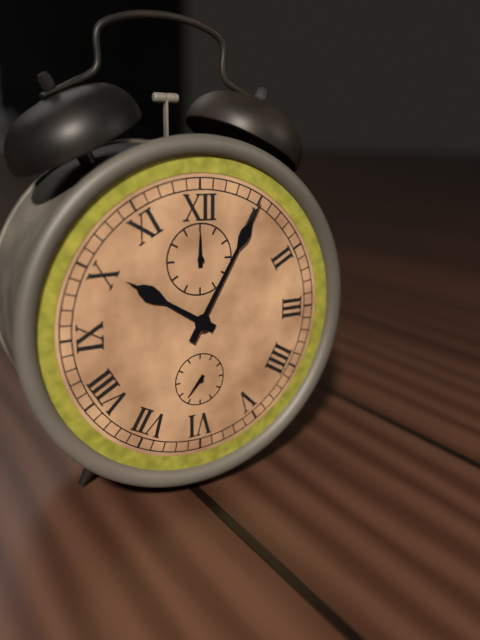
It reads 10 h 05 min
